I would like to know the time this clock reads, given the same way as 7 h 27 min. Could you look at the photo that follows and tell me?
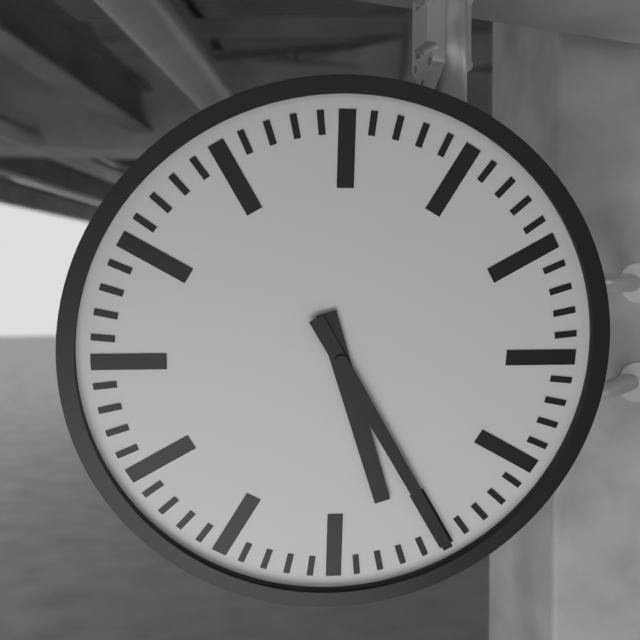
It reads 5 h 25 min
